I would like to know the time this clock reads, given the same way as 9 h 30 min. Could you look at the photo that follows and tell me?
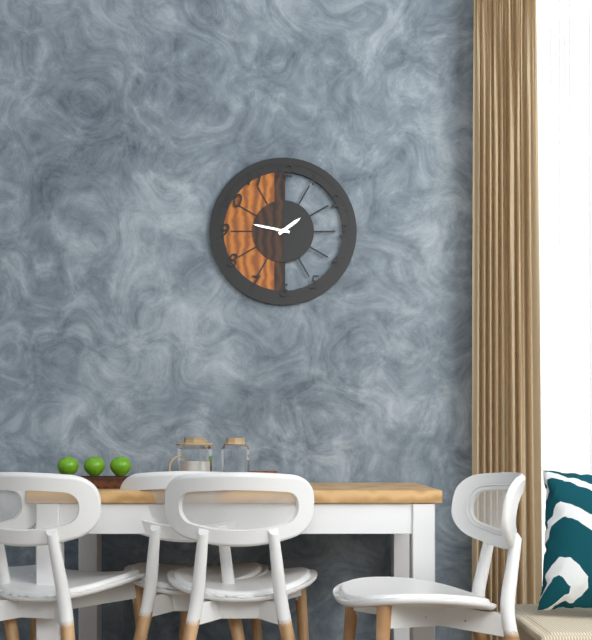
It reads 1 h 47 min
